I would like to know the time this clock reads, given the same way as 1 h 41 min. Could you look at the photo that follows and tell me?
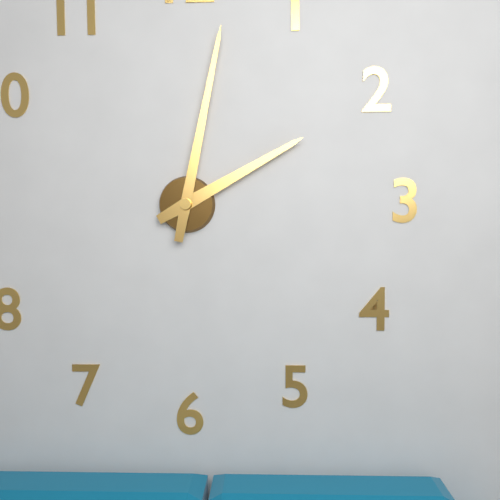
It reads 2 h 02 min
